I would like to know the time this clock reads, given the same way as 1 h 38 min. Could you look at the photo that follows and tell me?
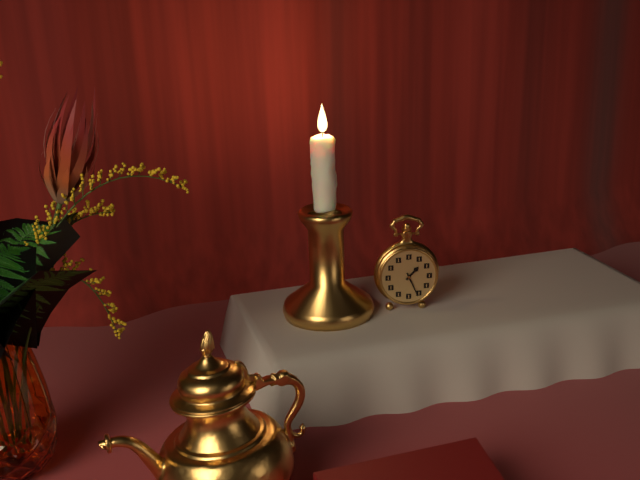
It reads 1 h 26 min
